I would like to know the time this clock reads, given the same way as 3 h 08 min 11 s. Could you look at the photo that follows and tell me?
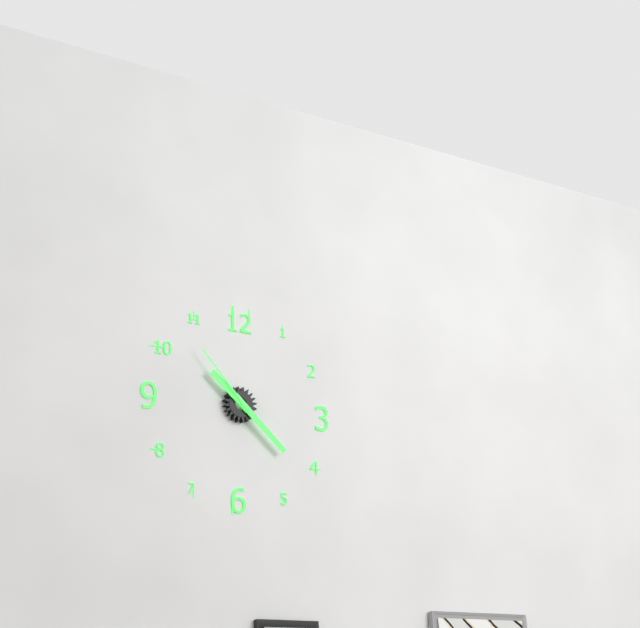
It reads 10 h 22 min 53 s
